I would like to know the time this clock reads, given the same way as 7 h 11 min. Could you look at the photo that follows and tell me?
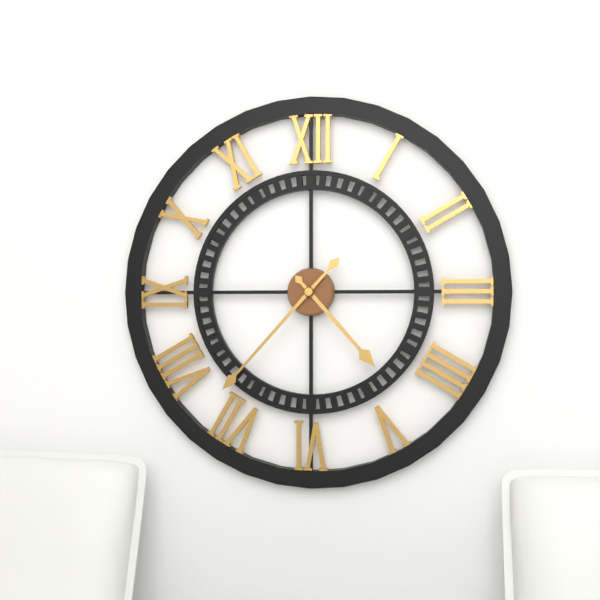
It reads 4 h 37 min
